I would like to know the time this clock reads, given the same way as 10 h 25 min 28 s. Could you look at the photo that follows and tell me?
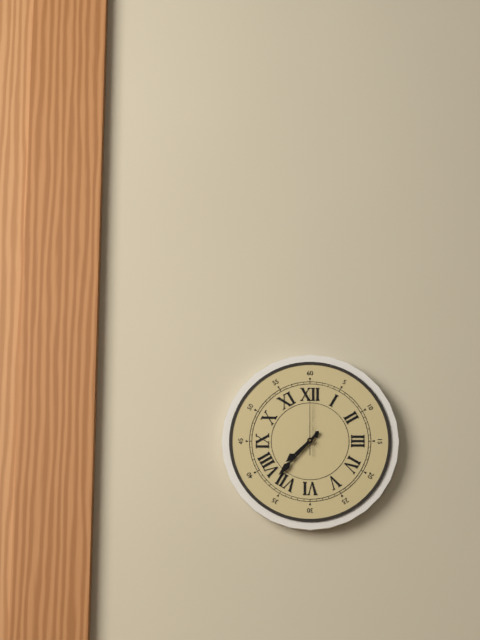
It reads 7 h 37 min 00 s
